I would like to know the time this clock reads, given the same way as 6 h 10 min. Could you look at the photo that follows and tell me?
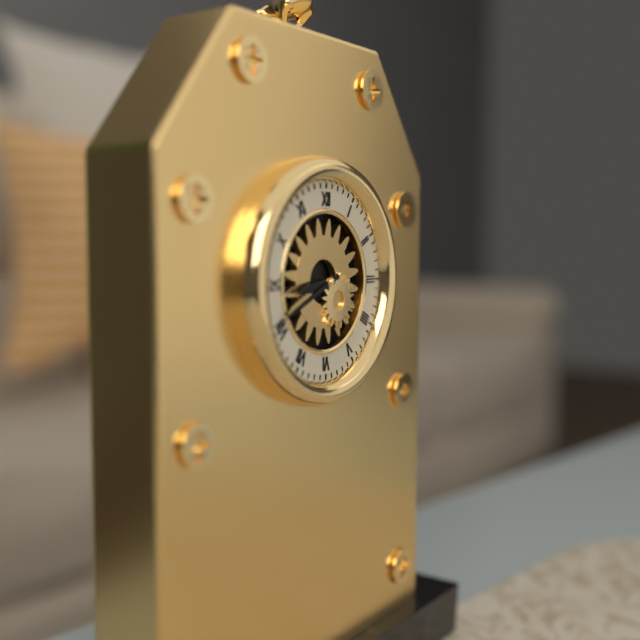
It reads 8 h 41 min
